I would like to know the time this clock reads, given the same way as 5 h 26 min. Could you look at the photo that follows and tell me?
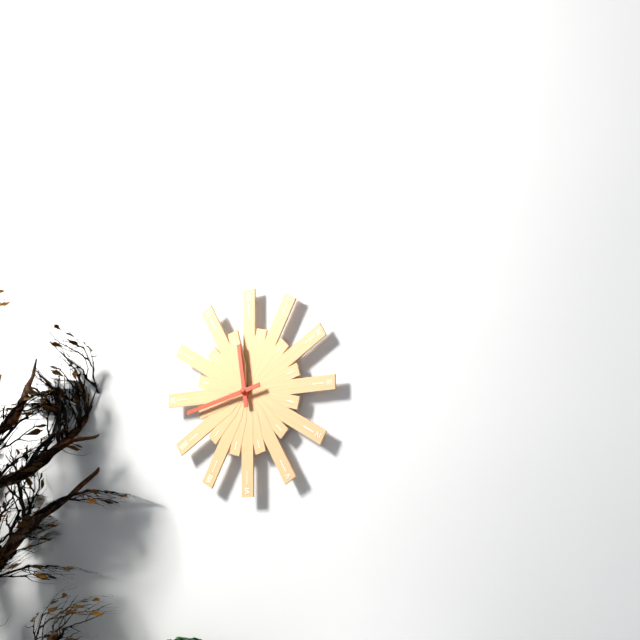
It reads 11 h 43 min
